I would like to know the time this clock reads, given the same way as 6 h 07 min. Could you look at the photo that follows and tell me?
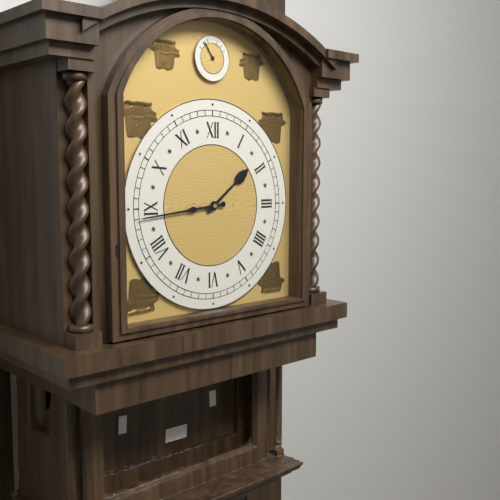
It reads 1 h 44 min
